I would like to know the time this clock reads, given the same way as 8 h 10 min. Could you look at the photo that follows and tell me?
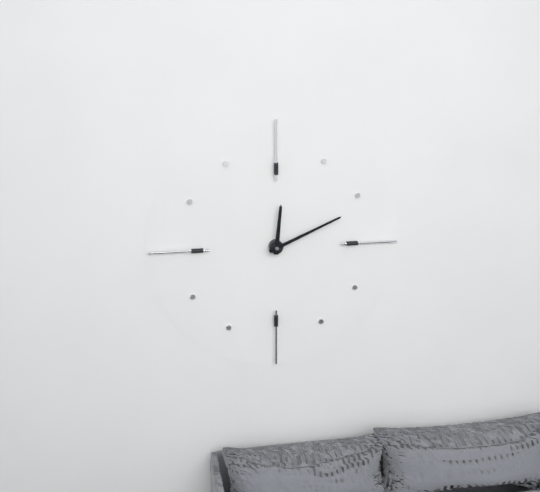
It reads 12 h 11 min
